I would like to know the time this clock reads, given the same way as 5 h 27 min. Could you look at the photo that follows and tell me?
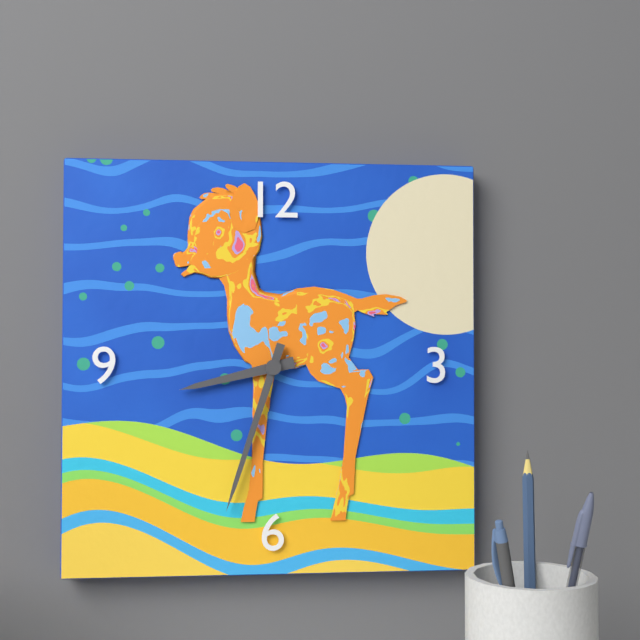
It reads 8 h 33 min
